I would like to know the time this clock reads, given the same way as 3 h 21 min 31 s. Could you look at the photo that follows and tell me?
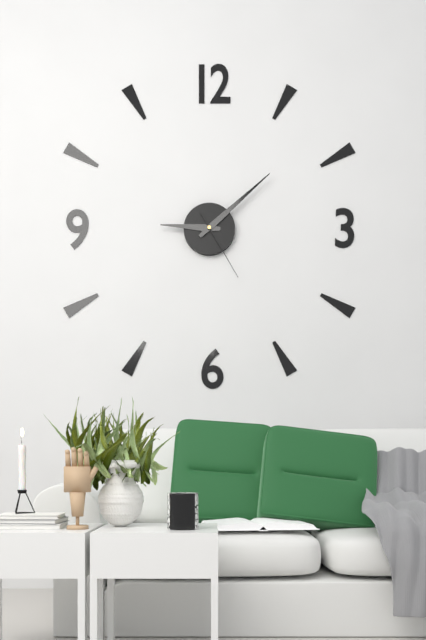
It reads 9 h 08 min 25 s
